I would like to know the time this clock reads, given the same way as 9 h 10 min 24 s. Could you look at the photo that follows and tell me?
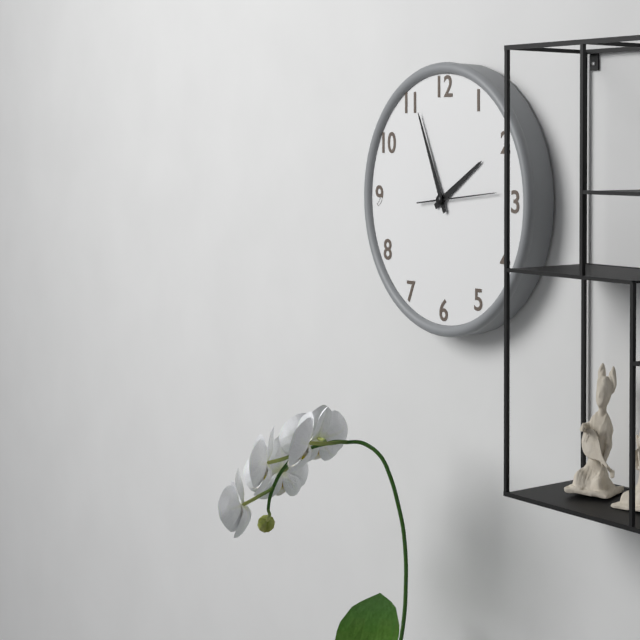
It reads 1 h 56 min 14 s
